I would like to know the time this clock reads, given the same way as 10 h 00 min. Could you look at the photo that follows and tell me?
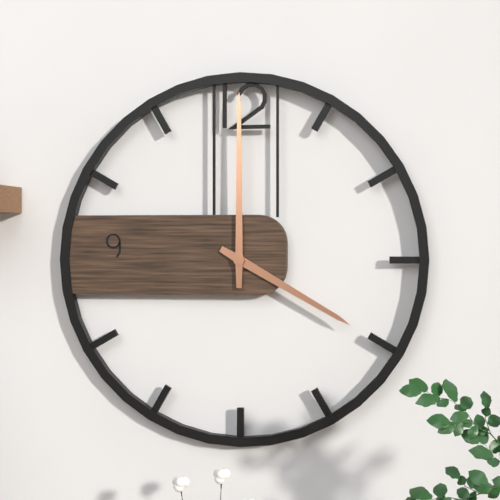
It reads 4 h 00 min
